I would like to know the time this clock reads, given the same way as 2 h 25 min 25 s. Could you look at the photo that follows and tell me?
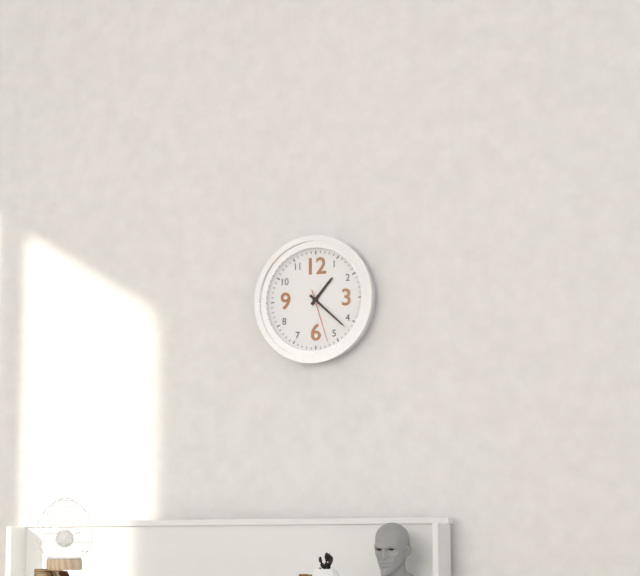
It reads 1 h 22 min 27 s
